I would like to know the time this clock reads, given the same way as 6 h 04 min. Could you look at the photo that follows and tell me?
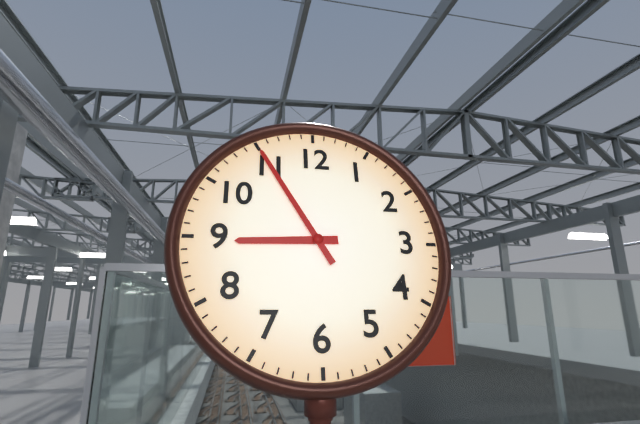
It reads 8 h 55 min
